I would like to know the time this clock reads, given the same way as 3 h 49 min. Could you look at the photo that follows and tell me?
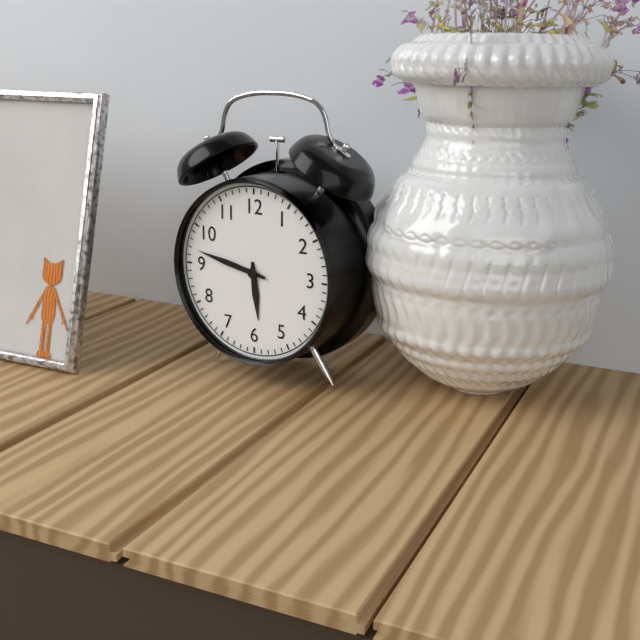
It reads 5 h 47 min
